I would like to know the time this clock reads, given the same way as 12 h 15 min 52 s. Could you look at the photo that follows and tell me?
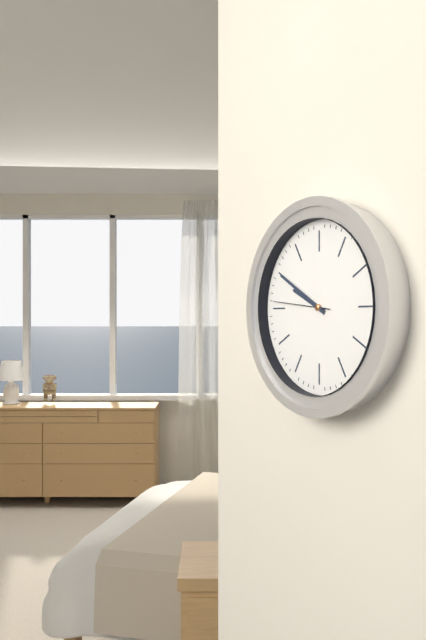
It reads 9 h 50 min 46 s
